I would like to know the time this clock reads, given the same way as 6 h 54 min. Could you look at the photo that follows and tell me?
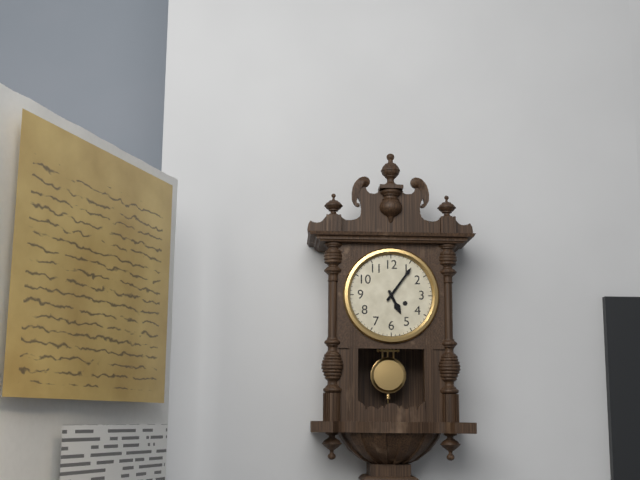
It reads 5 h 06 min
